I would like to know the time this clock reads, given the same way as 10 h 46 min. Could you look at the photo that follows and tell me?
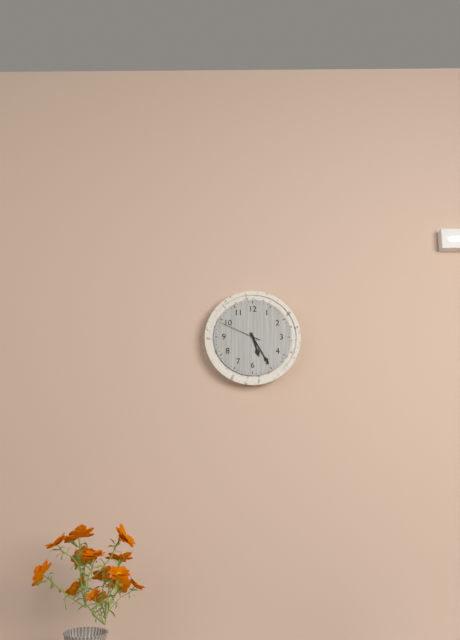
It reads 5 h 25 min
